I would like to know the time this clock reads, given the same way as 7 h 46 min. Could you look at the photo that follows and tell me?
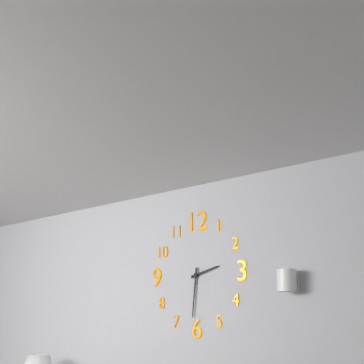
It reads 2 h 31 min
